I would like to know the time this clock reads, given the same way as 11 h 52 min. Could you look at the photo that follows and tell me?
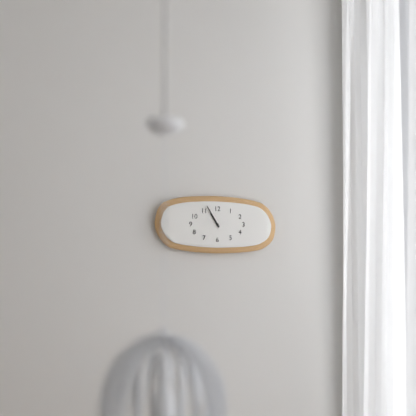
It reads 10 h 55 min
